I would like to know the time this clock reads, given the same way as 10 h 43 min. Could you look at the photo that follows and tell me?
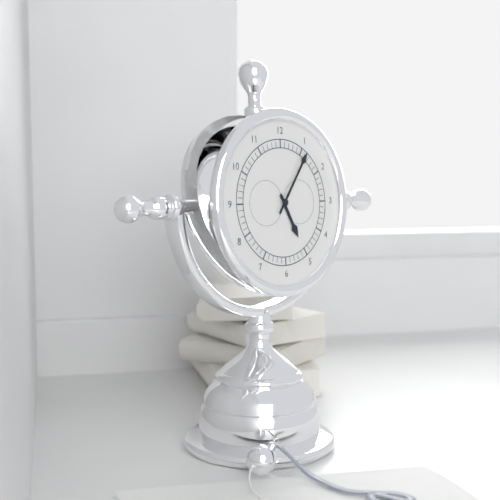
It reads 5 h 06 min
